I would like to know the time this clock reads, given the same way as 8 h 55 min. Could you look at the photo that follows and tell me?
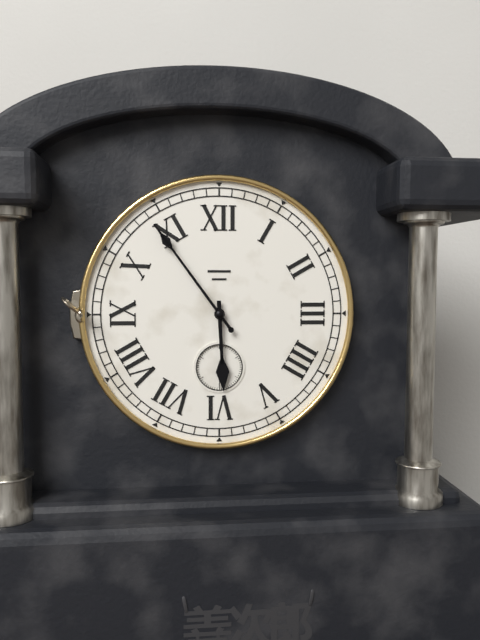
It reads 5 h 54 min
